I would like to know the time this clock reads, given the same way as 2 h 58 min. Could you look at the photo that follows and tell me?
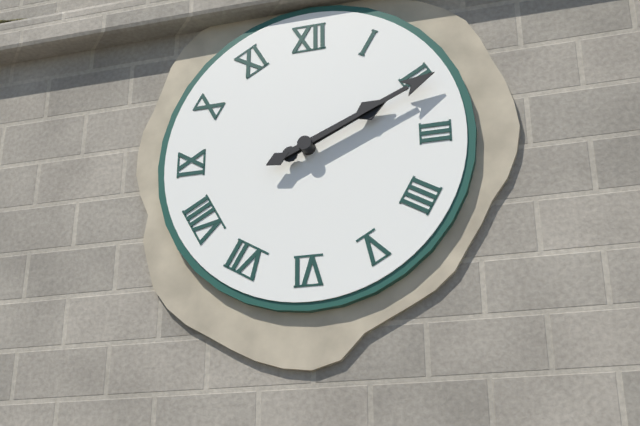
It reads 2 h 11 min
